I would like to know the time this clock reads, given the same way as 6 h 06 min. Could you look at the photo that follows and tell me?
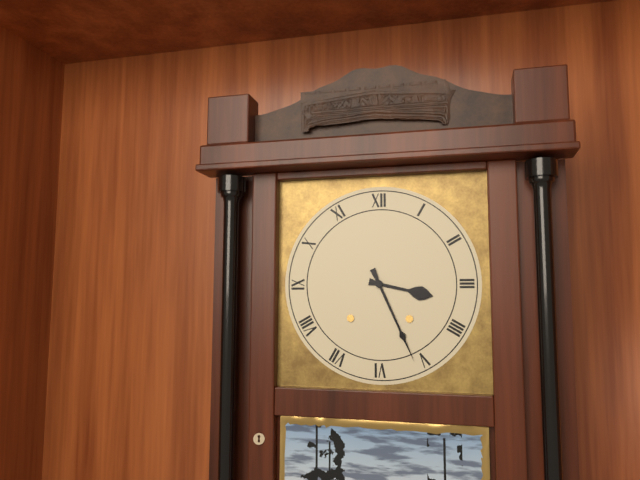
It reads 3 h 26 min
